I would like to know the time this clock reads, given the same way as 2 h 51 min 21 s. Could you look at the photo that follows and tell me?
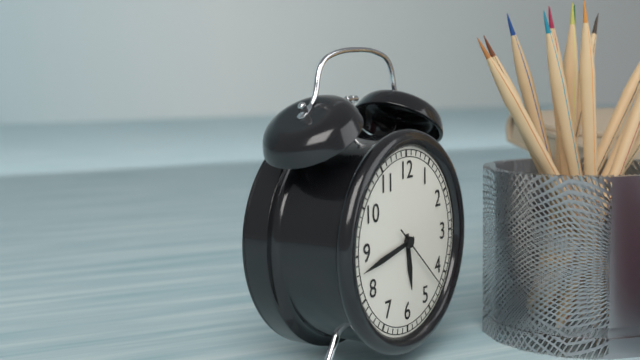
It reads 5 h 43 min 22 s
